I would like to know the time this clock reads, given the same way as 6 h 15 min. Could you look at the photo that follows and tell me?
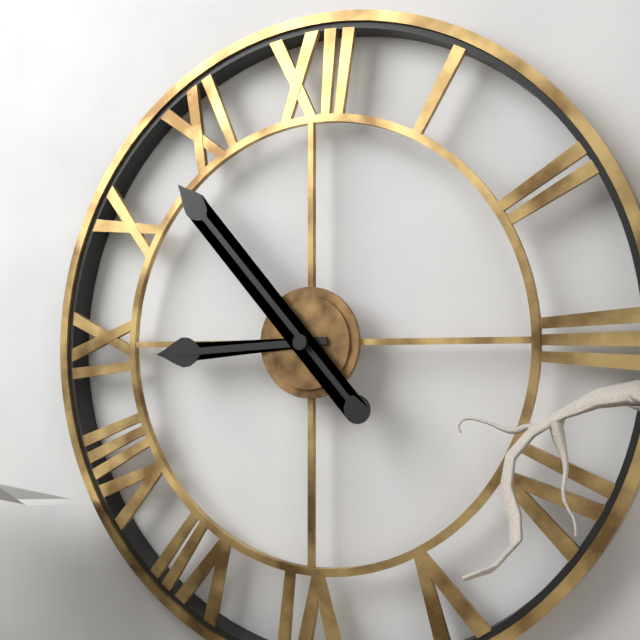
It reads 8 h 53 min
